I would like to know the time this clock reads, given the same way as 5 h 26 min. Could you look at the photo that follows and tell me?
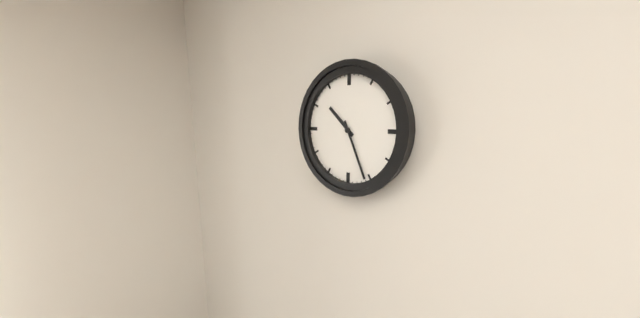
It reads 10 h 26 min
